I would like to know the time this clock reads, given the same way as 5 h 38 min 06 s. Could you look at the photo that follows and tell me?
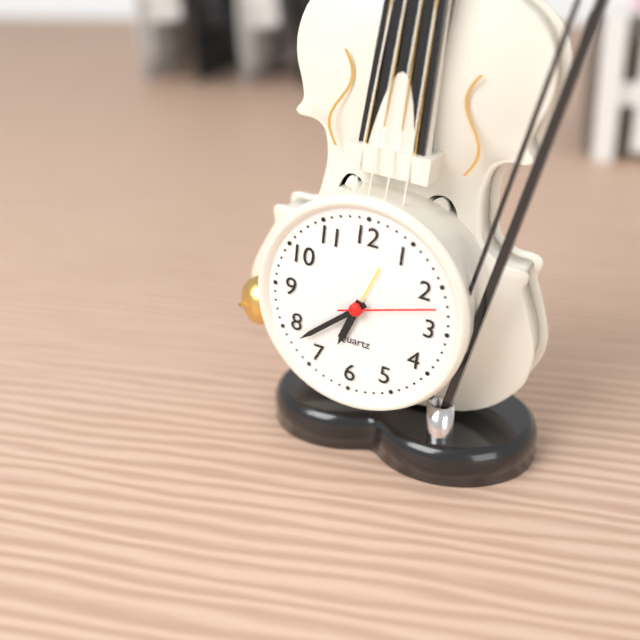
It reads 6 h 38 min 12 s
